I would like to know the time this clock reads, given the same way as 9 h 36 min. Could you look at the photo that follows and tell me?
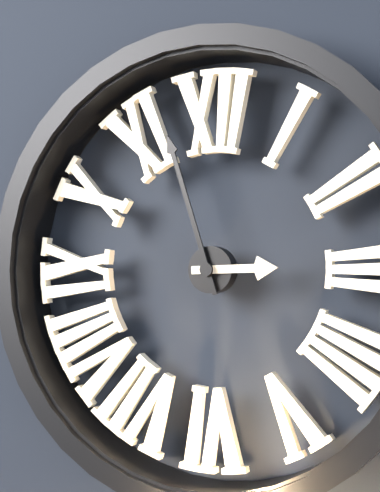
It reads 2 h 57 min
